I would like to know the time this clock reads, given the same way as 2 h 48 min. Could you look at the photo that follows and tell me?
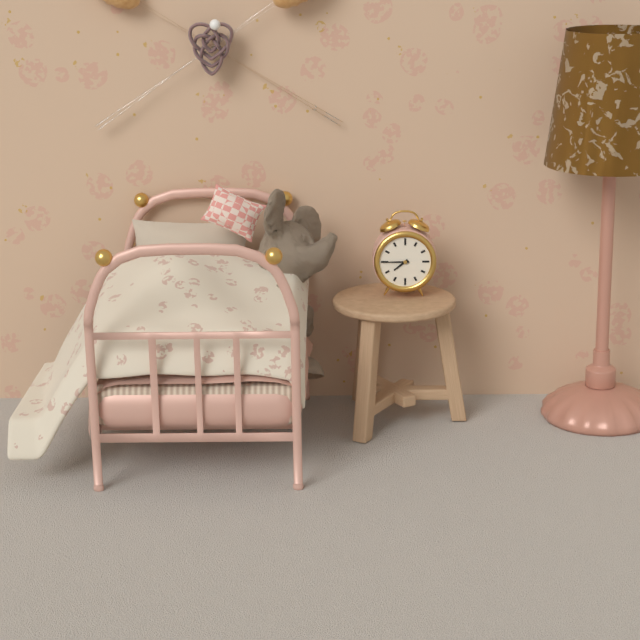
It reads 7 h 45 min
